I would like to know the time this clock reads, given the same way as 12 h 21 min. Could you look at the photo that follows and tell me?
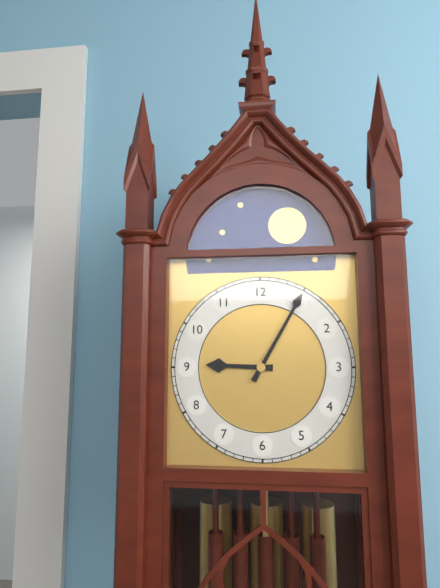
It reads 9 h 05 min
